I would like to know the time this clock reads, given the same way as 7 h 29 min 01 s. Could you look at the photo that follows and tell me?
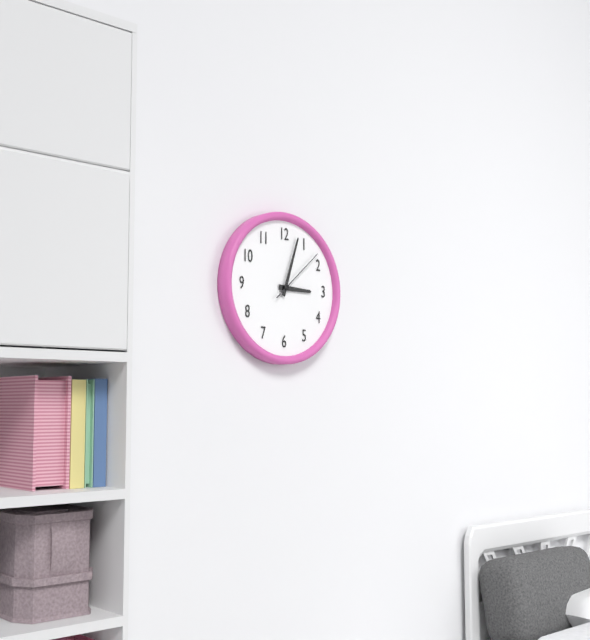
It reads 3 h 03 min 08 s
